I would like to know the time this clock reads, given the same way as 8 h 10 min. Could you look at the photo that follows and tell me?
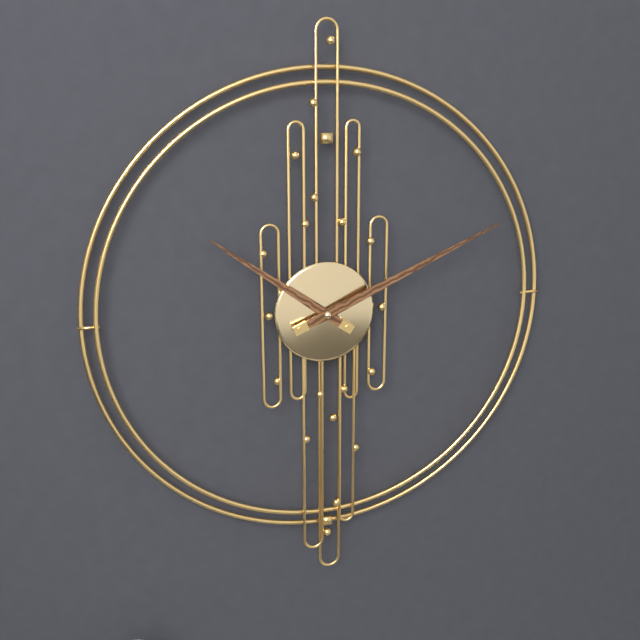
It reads 10 h 11 min
